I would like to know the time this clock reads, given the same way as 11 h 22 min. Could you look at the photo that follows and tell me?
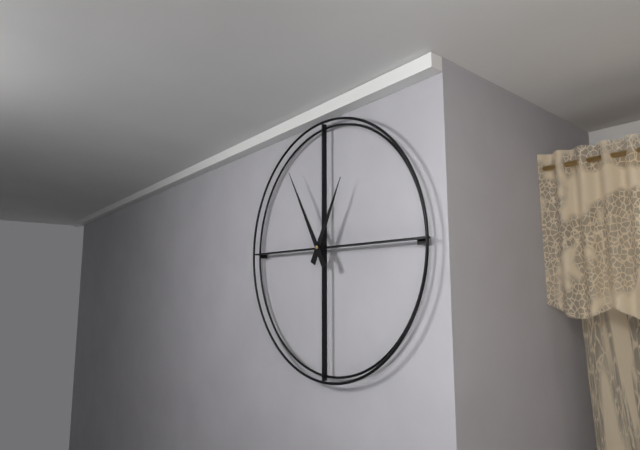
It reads 12 h 55 min
